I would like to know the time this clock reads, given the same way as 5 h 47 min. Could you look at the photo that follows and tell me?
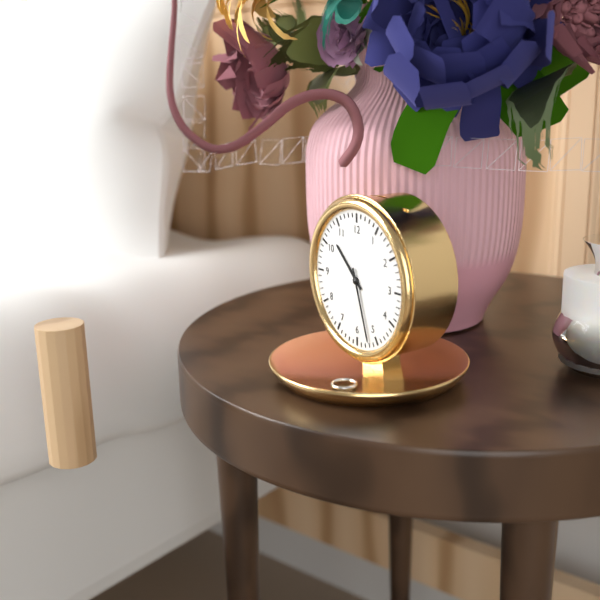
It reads 10 h 27 min
